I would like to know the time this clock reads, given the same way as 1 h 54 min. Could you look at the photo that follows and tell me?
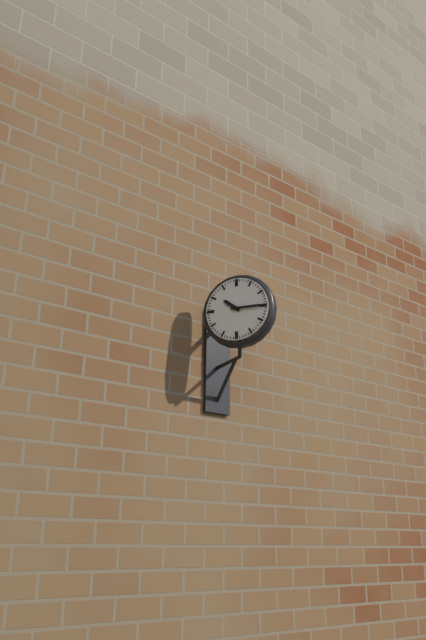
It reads 10 h 15 min
